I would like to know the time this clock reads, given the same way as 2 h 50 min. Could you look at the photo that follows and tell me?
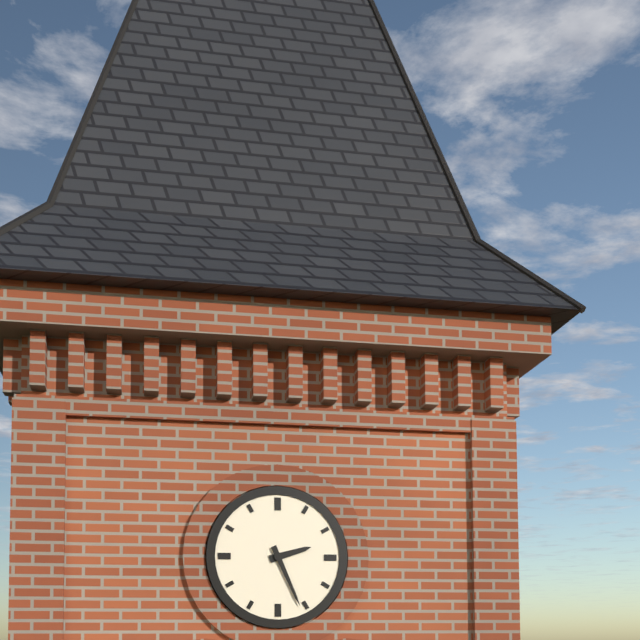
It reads 2 h 26 min
